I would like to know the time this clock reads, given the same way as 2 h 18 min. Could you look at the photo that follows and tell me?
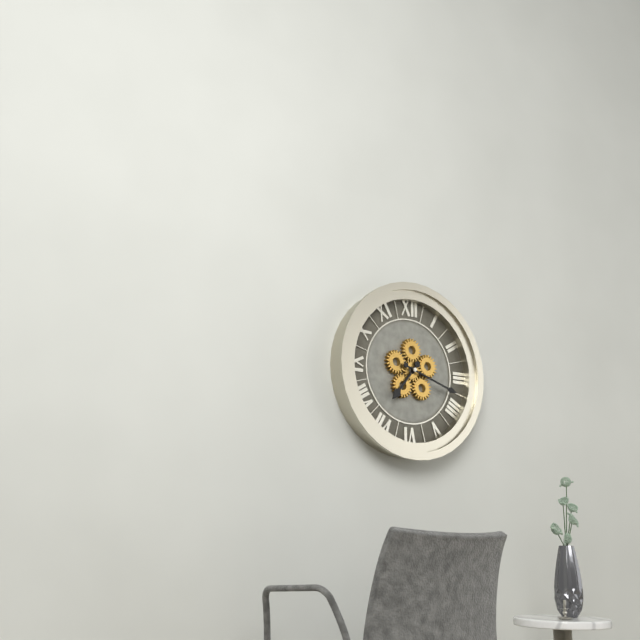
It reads 7 h 18 min
